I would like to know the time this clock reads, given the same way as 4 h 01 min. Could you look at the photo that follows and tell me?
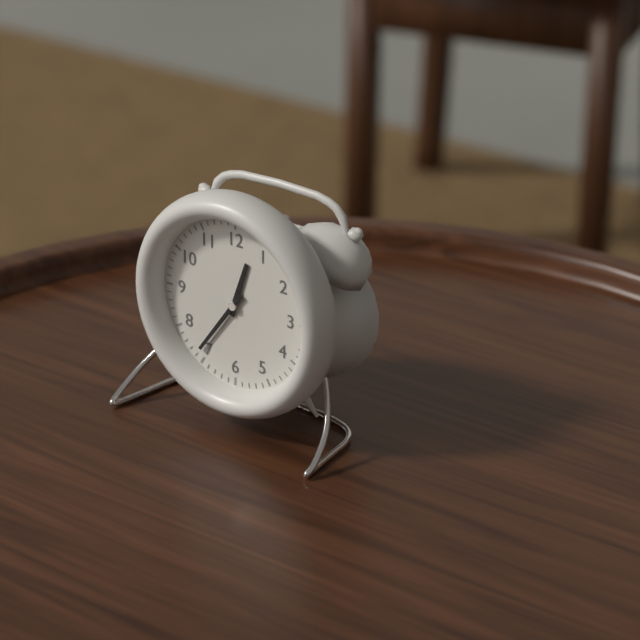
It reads 12 h 36 min
